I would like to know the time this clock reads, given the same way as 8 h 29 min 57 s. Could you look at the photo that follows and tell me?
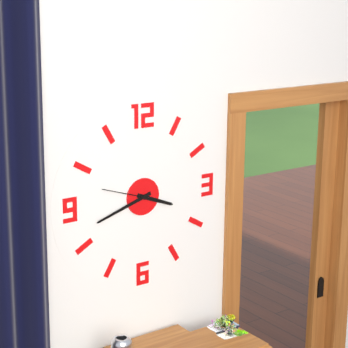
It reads 3 h 42 min 48 s
